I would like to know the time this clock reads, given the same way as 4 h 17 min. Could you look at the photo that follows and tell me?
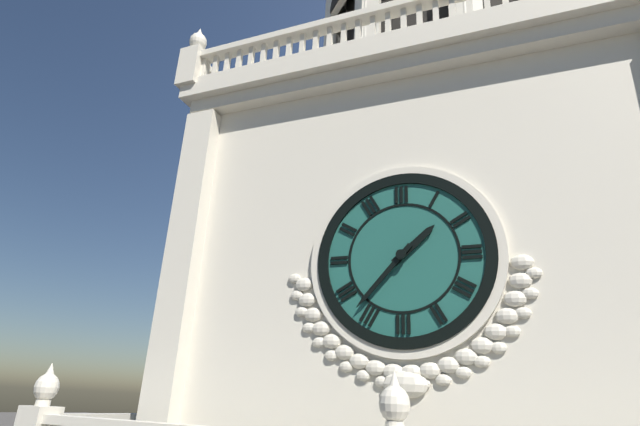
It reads 1 h 37 min
